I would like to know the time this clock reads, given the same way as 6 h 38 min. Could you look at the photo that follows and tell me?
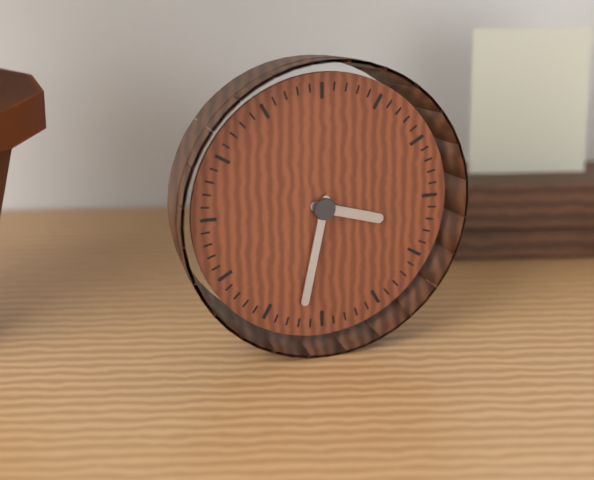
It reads 3 h 32 min
